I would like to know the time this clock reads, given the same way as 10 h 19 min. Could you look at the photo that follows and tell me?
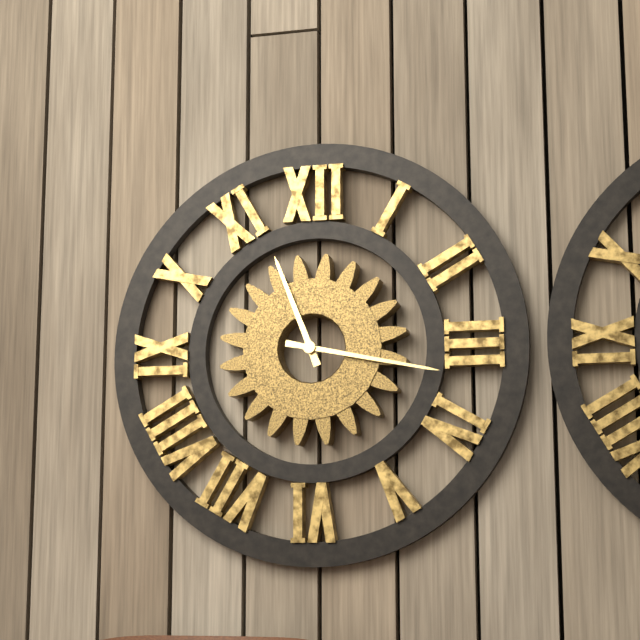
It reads 11 h 17 min
